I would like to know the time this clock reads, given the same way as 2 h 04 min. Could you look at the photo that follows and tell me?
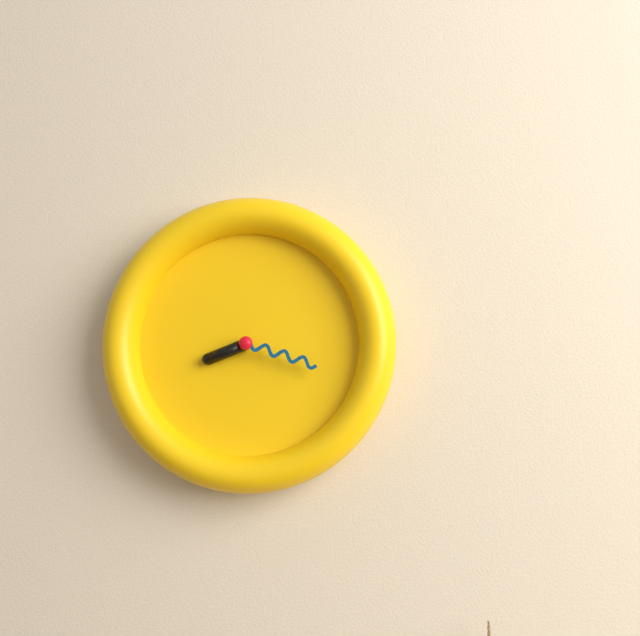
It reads 8 h 18 min
